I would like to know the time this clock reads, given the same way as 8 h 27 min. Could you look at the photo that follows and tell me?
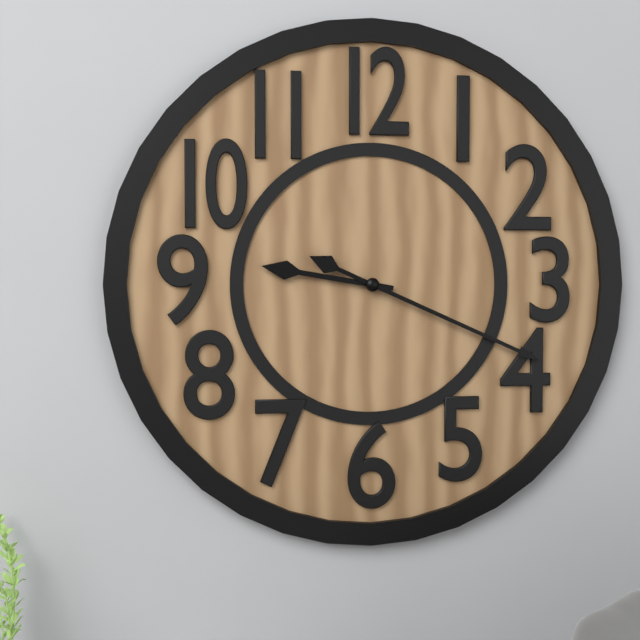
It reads 9 h 19 min
